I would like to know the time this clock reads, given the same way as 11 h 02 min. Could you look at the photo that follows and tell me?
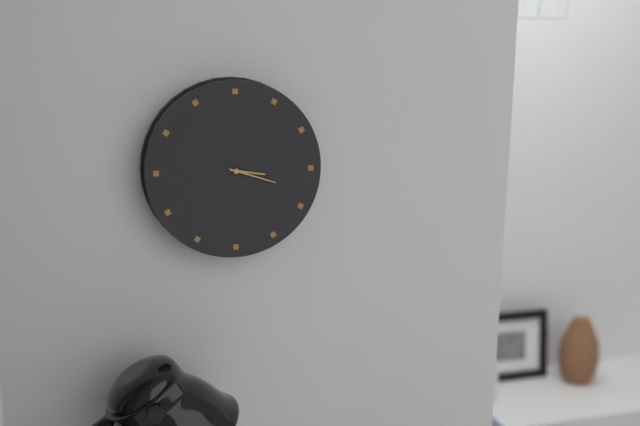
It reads 3 h 18 min
